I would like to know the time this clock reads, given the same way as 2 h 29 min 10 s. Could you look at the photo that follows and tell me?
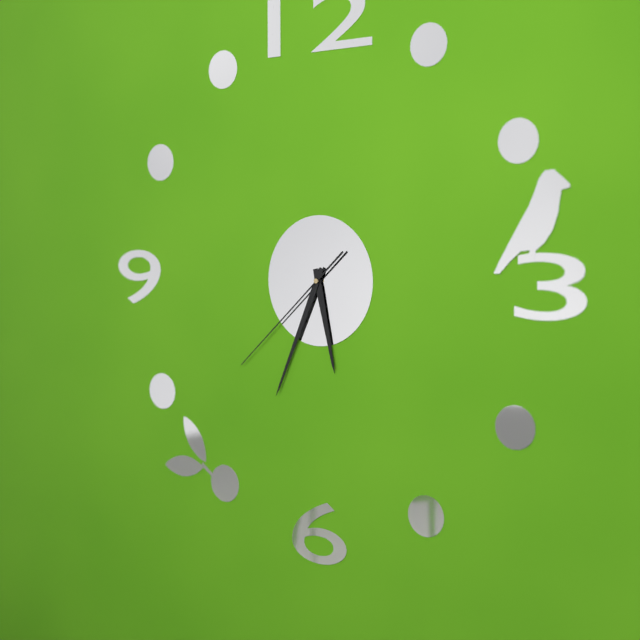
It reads 5 h 34 min 38 s
